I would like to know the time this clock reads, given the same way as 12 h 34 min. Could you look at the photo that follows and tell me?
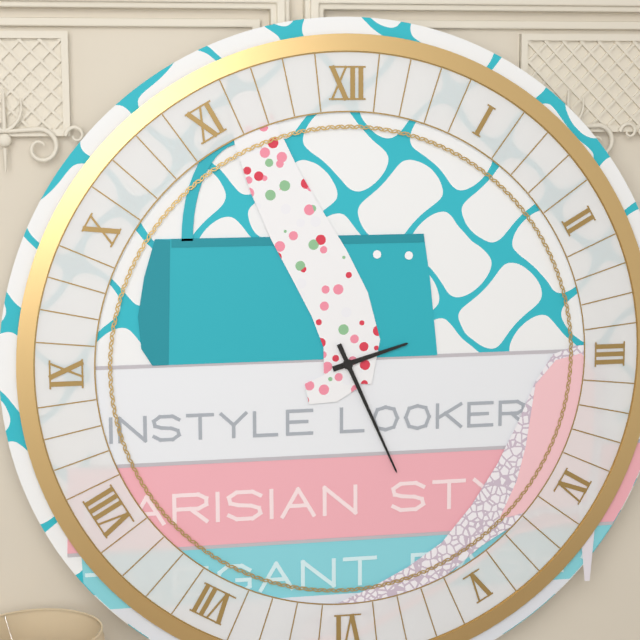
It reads 2 h 26 min
